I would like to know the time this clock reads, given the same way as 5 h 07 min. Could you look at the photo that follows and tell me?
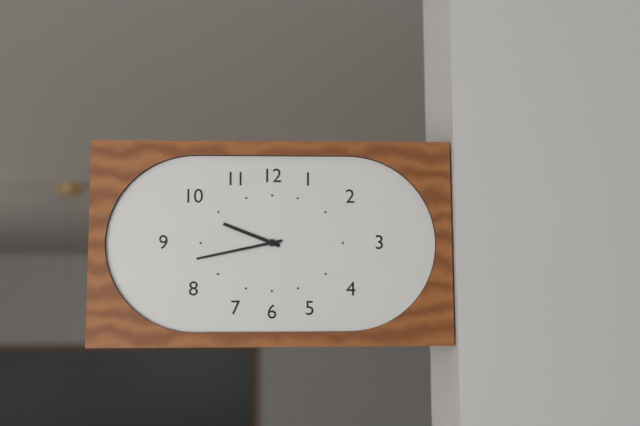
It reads 9 h 43 min
